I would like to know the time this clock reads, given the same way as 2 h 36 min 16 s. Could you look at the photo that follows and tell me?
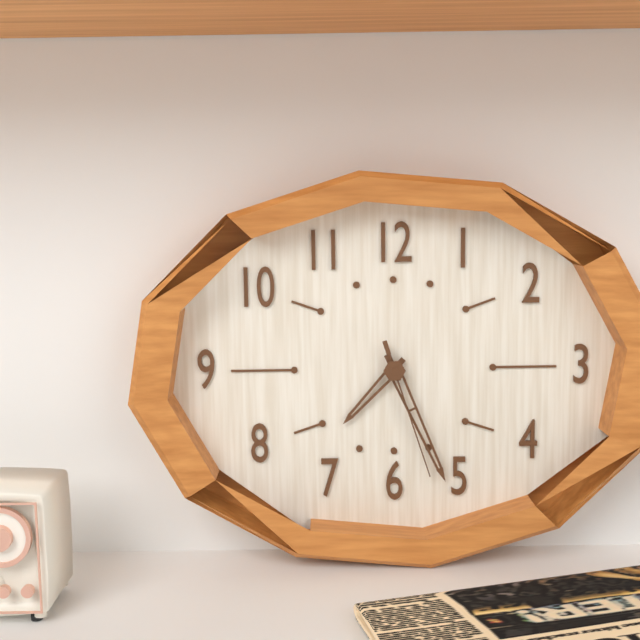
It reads 7 h 26 min 27 s
